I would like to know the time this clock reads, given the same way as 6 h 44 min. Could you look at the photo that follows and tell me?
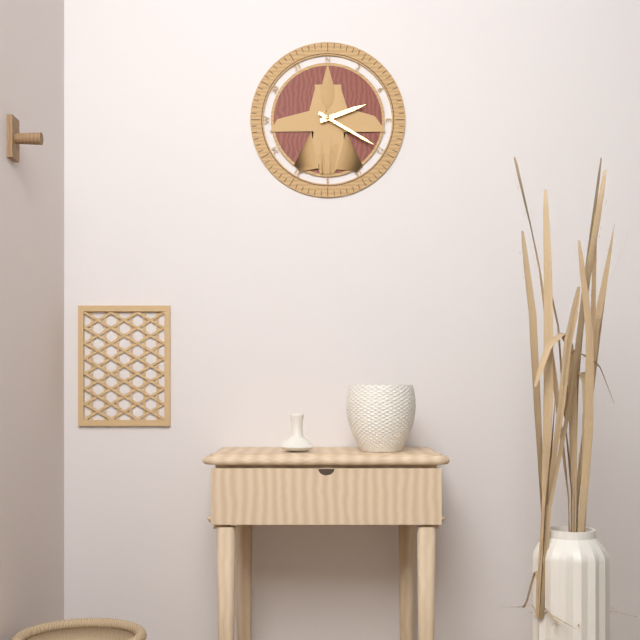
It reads 2 h 20 min
